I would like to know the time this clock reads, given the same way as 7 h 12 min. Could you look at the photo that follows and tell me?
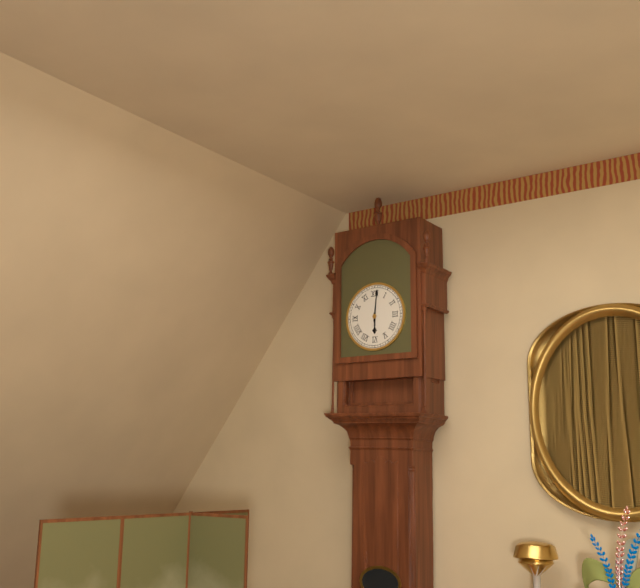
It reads 6 h 01 min
